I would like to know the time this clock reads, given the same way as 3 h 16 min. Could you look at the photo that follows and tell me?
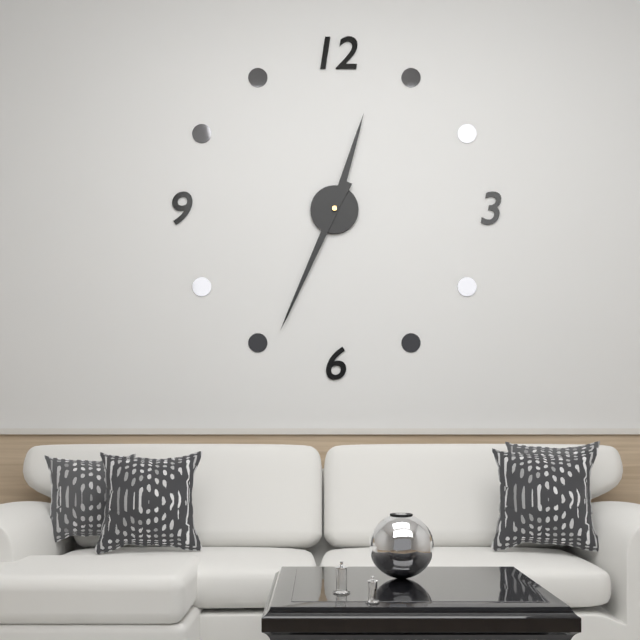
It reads 12 h 34 min
